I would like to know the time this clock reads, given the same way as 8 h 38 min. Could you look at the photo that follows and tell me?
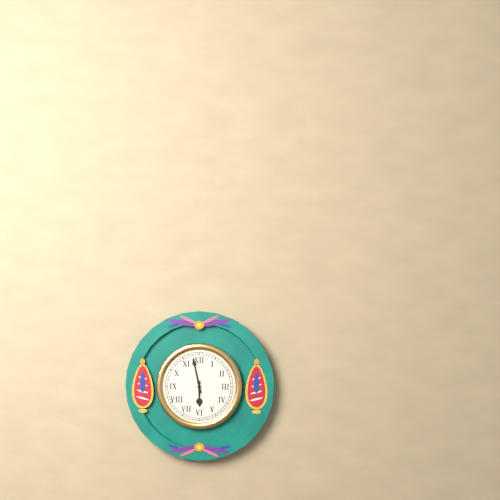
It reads 5 h 58 min
